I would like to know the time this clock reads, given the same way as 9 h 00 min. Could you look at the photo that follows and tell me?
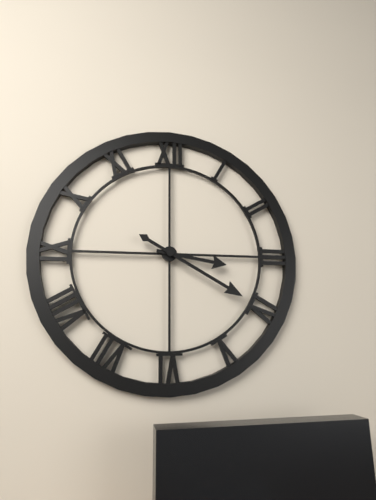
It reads 3 h 20 min
